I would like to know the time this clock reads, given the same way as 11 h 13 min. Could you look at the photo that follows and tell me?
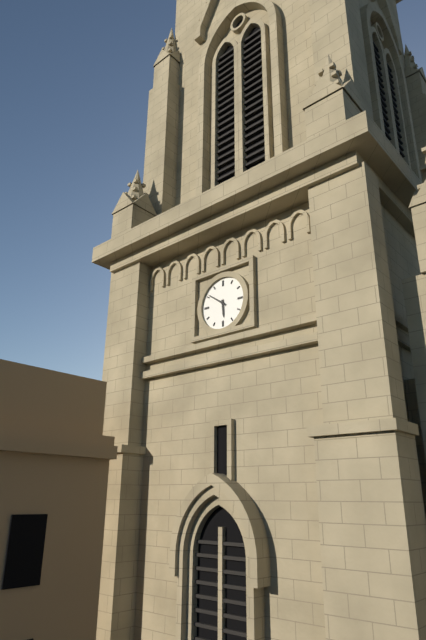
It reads 5 h 51 min
